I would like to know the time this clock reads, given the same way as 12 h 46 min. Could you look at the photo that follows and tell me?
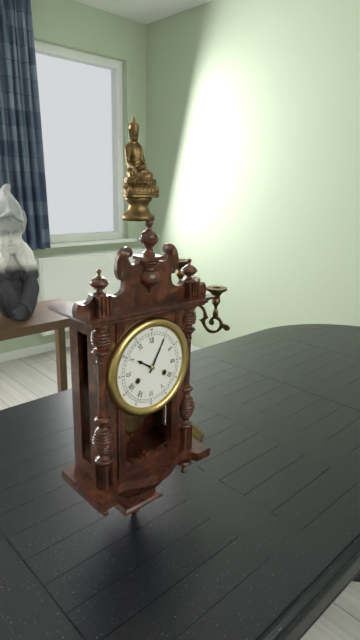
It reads 10 h 05 min
